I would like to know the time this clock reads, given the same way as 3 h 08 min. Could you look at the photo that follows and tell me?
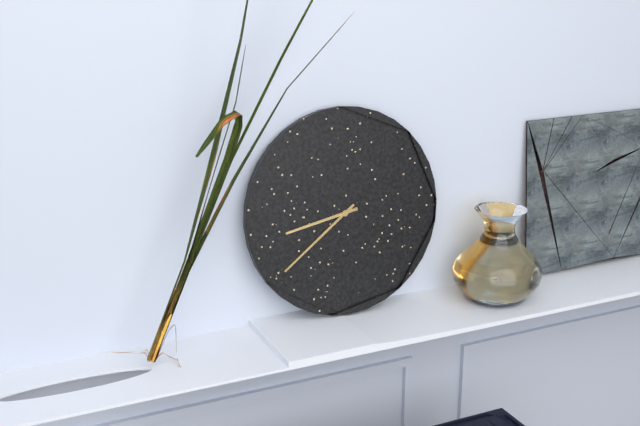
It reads 8 h 39 min
